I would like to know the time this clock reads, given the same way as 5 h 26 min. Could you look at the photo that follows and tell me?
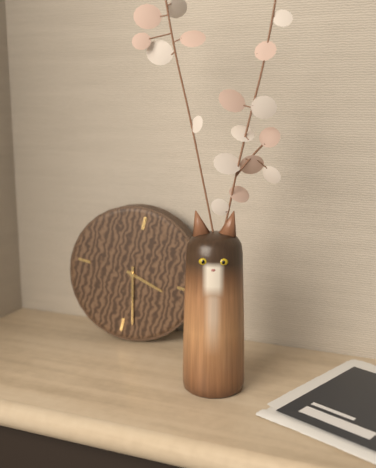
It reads 3 h 28 min
